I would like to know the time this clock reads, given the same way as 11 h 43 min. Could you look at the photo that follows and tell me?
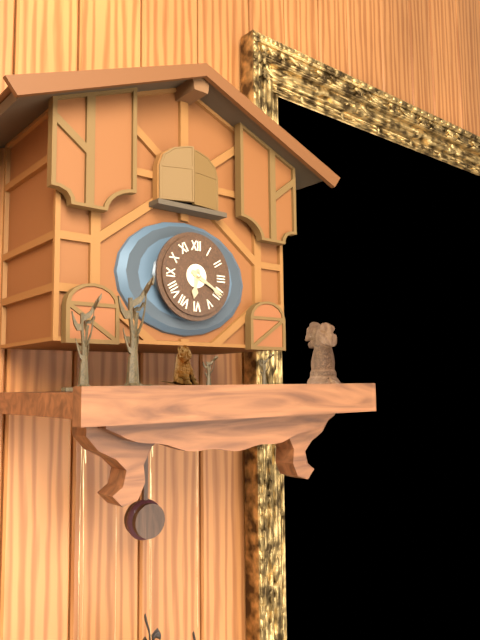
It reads 6 h 20 min
